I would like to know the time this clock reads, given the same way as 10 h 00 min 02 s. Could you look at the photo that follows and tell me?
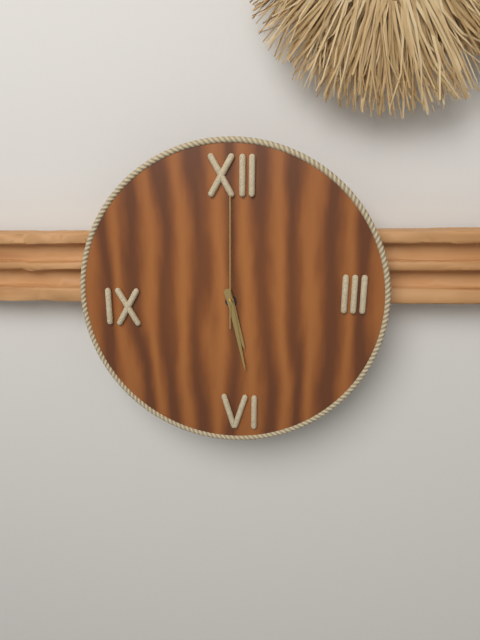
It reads 5 h 28 min 00 s
